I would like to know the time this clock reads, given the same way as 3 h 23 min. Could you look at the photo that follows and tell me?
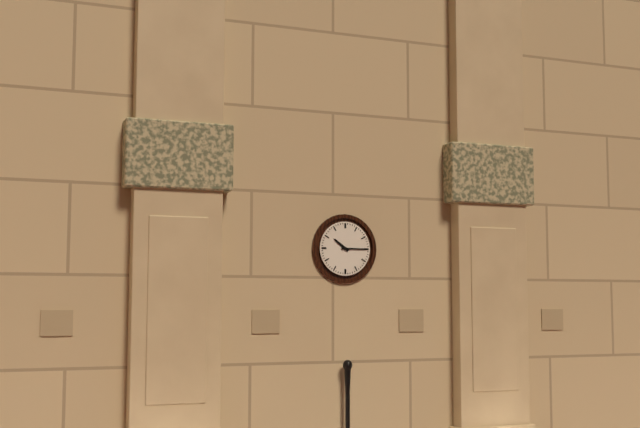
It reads 10 h 15 min
